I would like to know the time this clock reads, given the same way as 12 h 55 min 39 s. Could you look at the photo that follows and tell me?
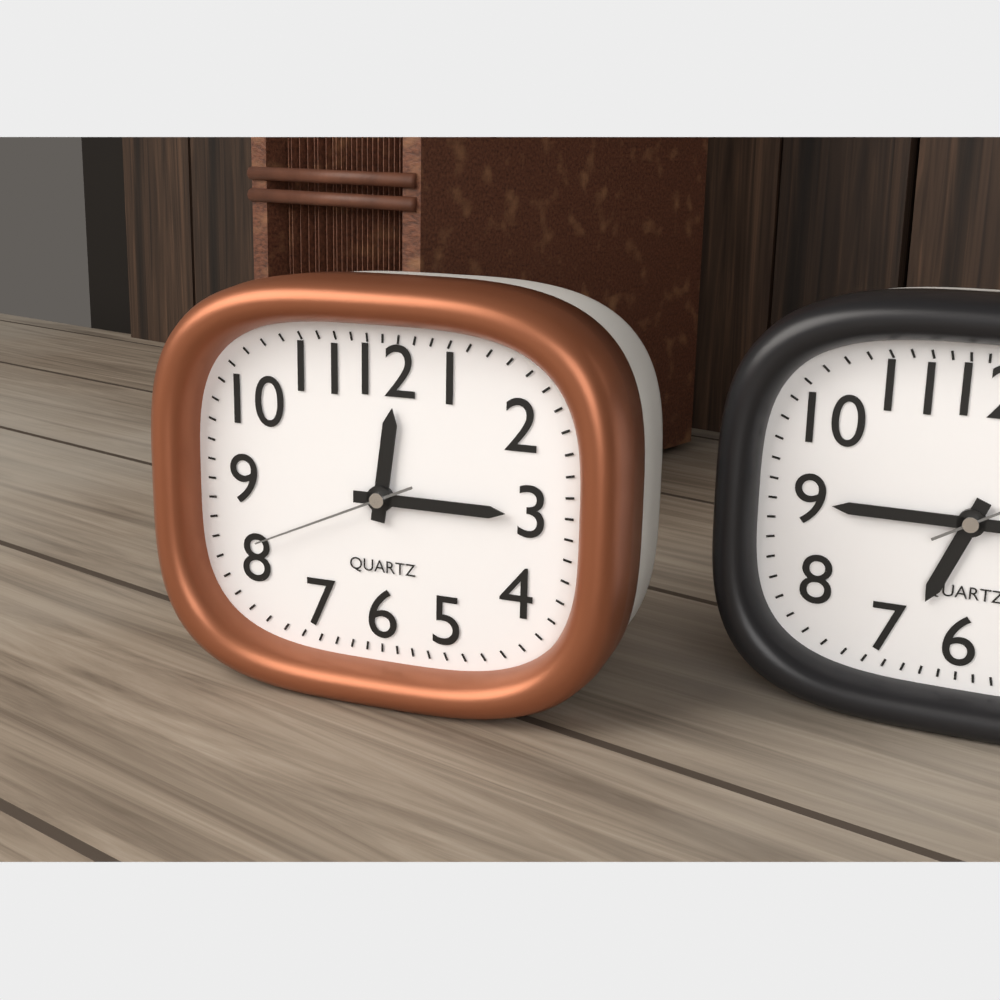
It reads 12 h 15 min 41 s
